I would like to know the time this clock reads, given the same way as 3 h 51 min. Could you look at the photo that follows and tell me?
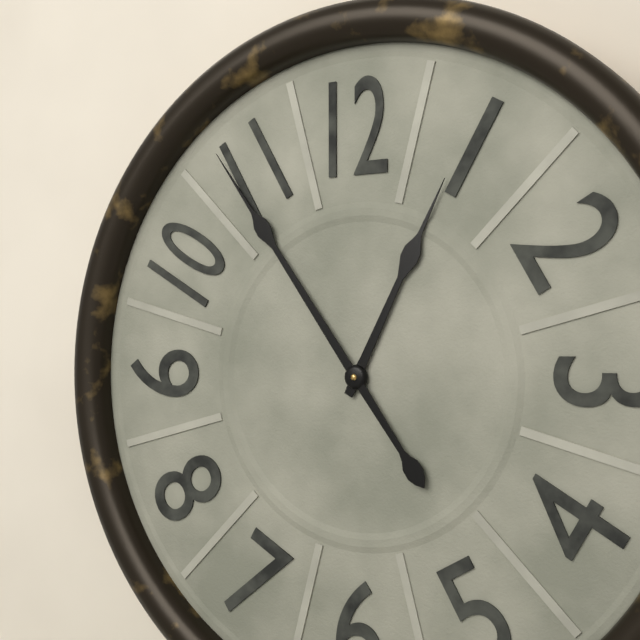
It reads 12 h 54 min
